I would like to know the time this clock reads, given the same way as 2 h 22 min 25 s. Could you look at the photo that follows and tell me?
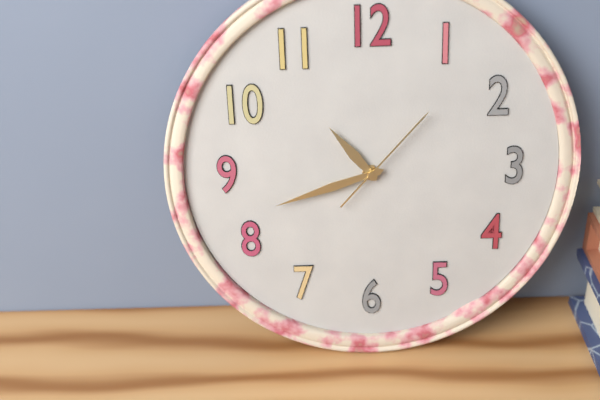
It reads 10 h 42 min 07 s
